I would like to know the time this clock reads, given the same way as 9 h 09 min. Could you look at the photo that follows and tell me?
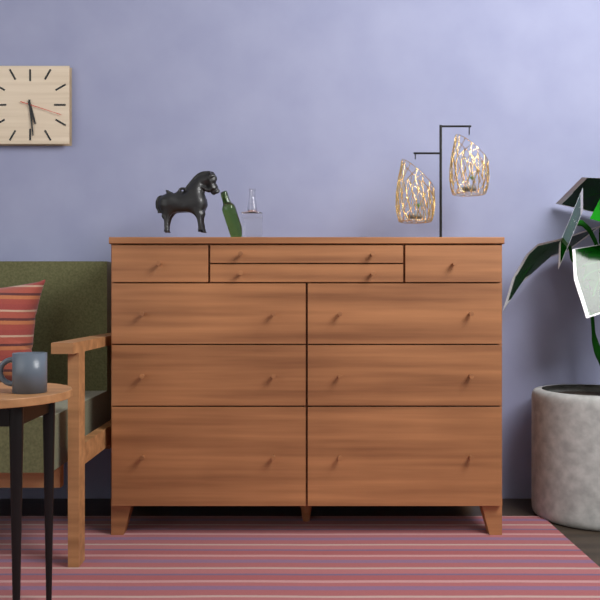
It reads 5 h 29 min
